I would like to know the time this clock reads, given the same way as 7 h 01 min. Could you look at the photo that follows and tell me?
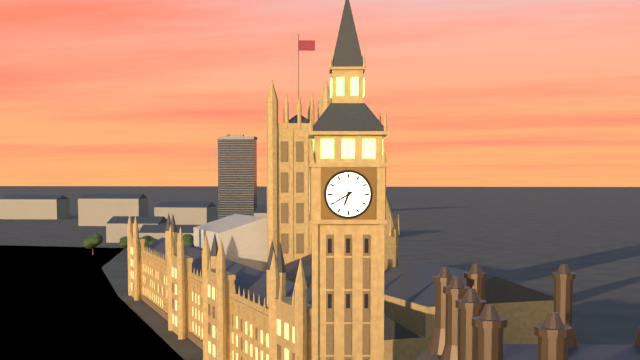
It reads 6 h 40 min
